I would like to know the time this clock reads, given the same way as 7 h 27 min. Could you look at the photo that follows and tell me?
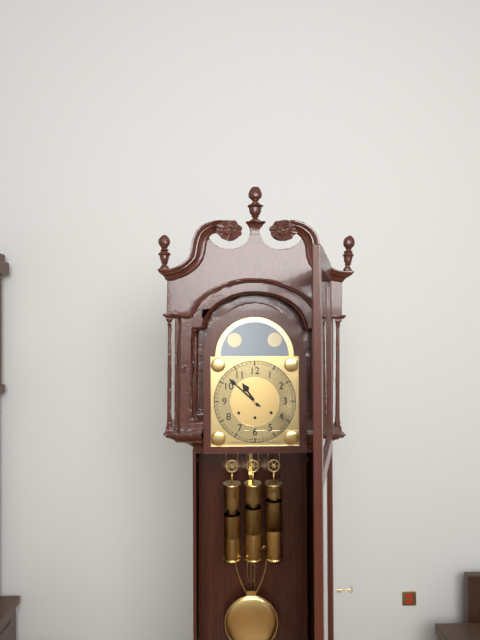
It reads 10 h 52 min
